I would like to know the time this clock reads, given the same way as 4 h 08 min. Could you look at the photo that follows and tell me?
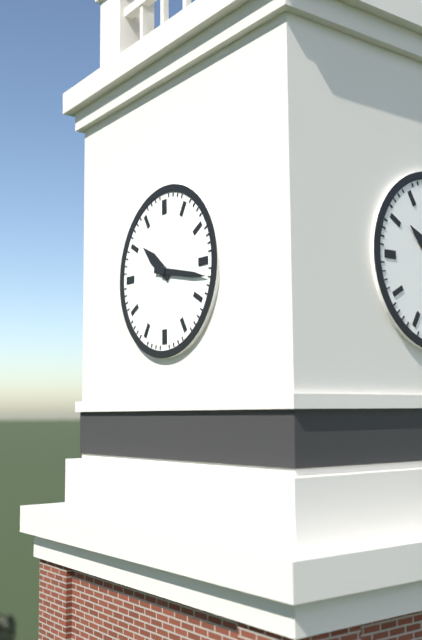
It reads 10 h 17 min
